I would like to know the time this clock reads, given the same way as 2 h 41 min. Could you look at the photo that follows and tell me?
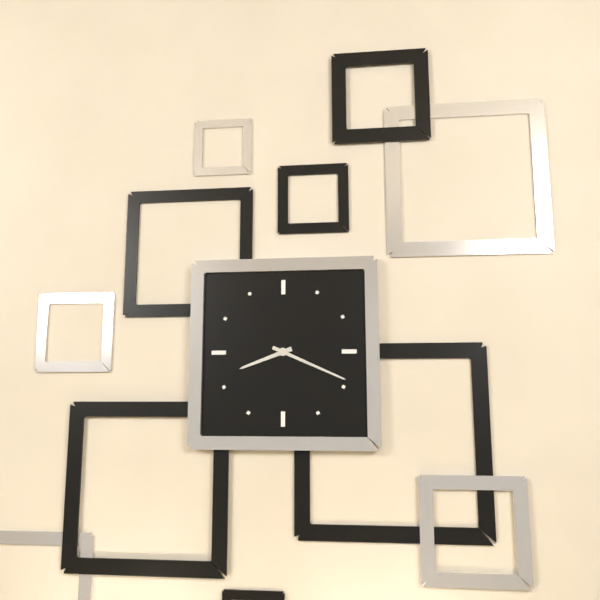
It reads 8 h 19 min
